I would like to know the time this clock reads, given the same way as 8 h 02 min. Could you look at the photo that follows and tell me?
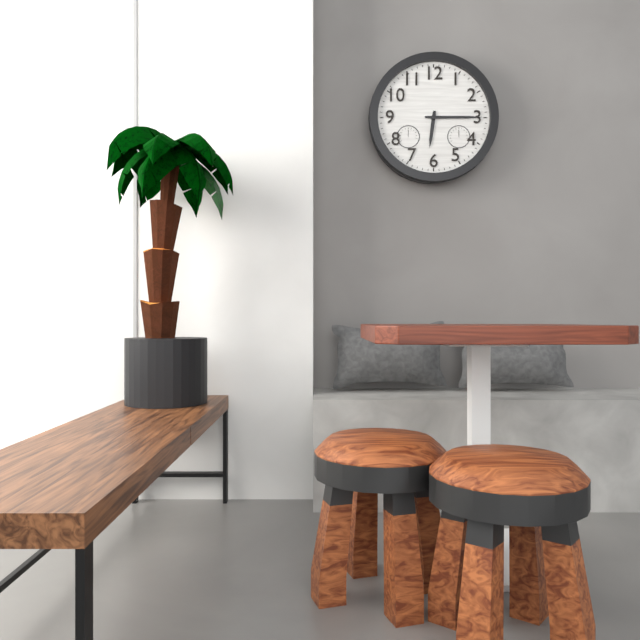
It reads 6 h 15 min
